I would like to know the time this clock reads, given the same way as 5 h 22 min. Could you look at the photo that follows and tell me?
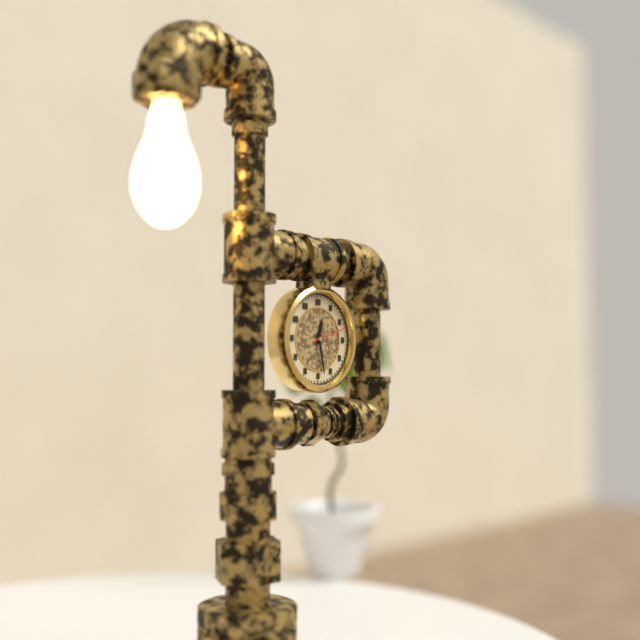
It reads 12 h 28 min
